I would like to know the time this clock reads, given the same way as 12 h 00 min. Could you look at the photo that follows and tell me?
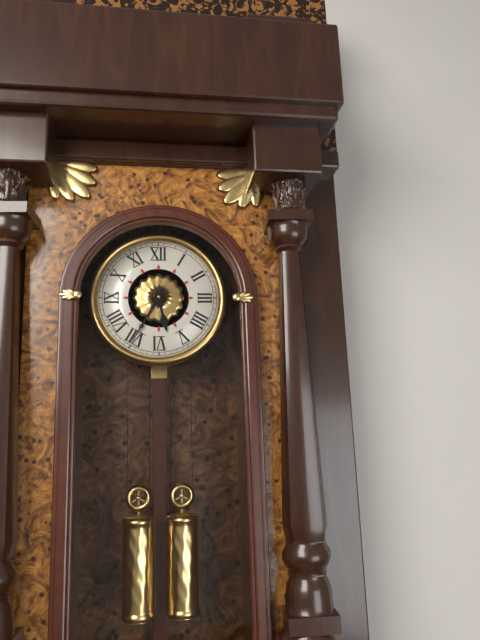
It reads 5 h 35 min
